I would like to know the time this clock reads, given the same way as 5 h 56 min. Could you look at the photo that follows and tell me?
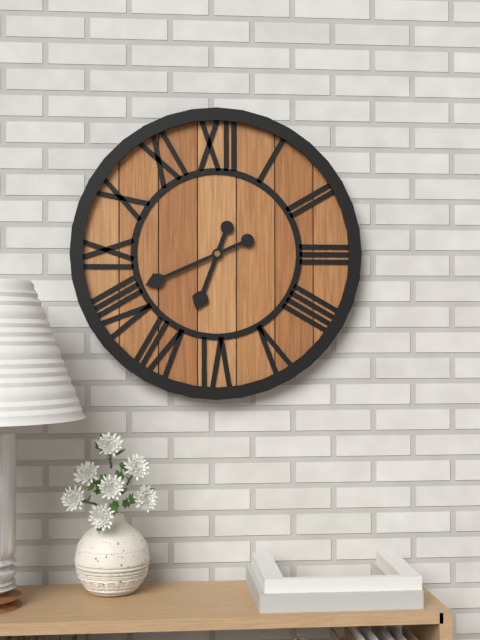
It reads 6 h 41 min
